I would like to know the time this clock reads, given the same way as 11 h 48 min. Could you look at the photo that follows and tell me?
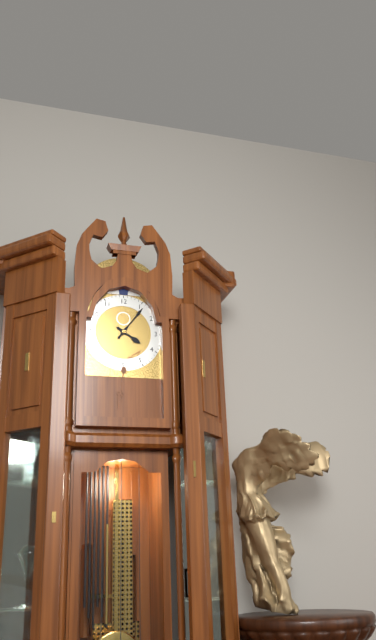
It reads 4 h 06 min
